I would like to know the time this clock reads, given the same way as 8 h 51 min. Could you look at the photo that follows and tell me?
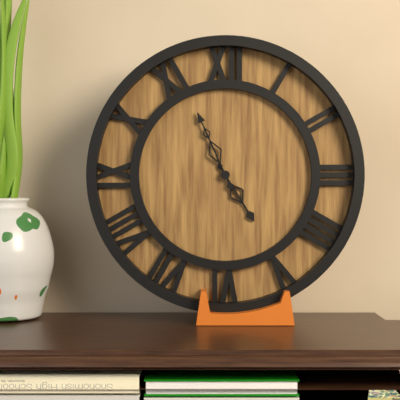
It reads 4 h 56 min
